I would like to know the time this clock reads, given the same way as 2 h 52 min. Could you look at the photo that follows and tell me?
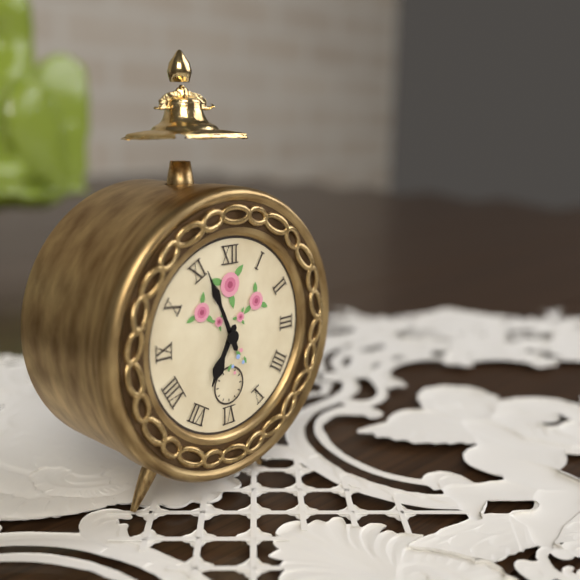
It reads 6 h 56 min
